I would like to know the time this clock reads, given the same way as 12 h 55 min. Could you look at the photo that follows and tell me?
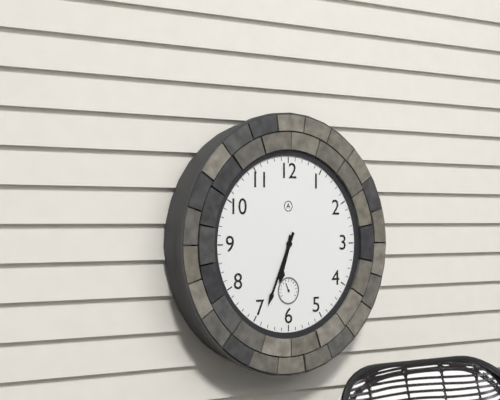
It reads 6 h 34 min
